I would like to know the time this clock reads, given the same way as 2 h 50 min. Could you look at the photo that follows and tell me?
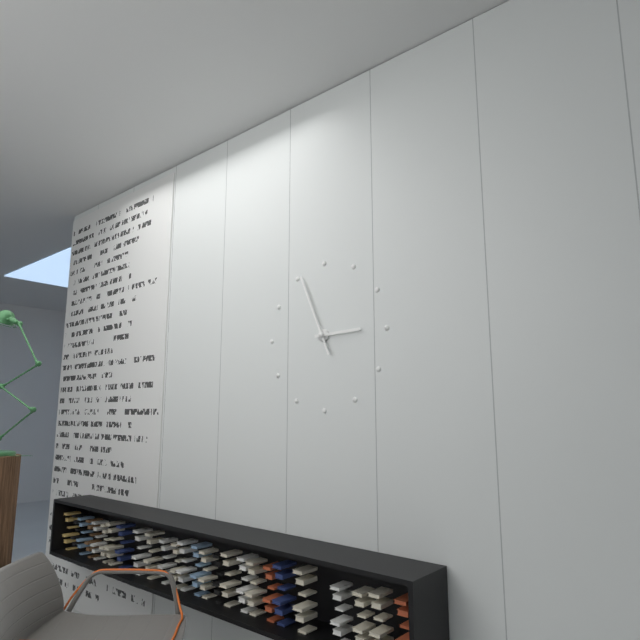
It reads 2 h 56 min
